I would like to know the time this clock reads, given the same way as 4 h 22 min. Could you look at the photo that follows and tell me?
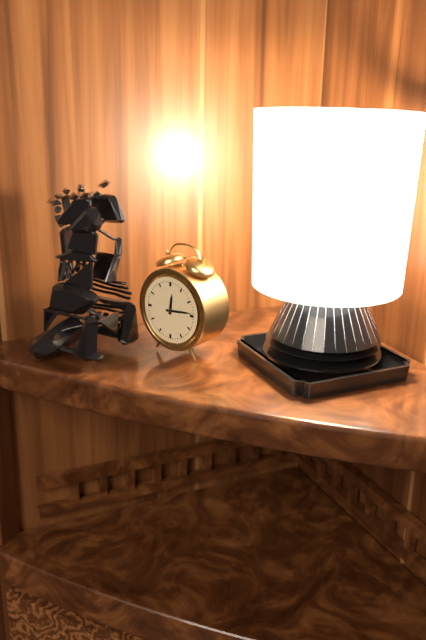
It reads 12 h 14 min
